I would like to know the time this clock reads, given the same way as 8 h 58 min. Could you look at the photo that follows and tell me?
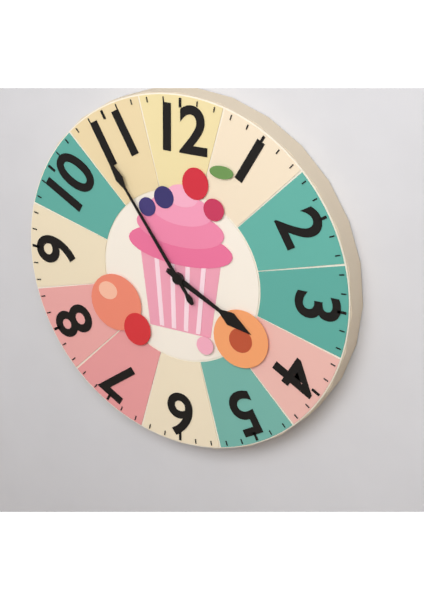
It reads 3 h 54 min
